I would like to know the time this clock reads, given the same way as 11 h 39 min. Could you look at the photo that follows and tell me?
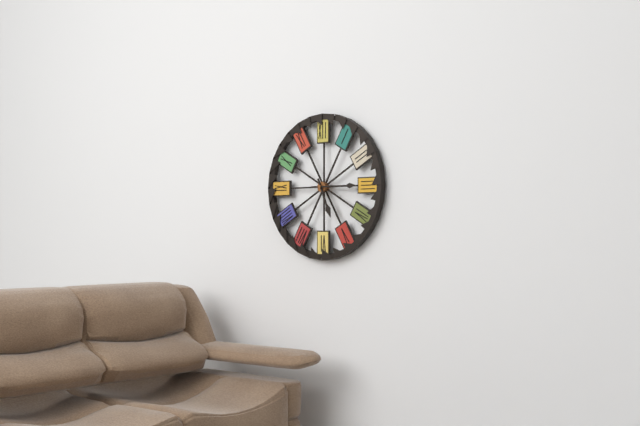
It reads 5 h 15 min
